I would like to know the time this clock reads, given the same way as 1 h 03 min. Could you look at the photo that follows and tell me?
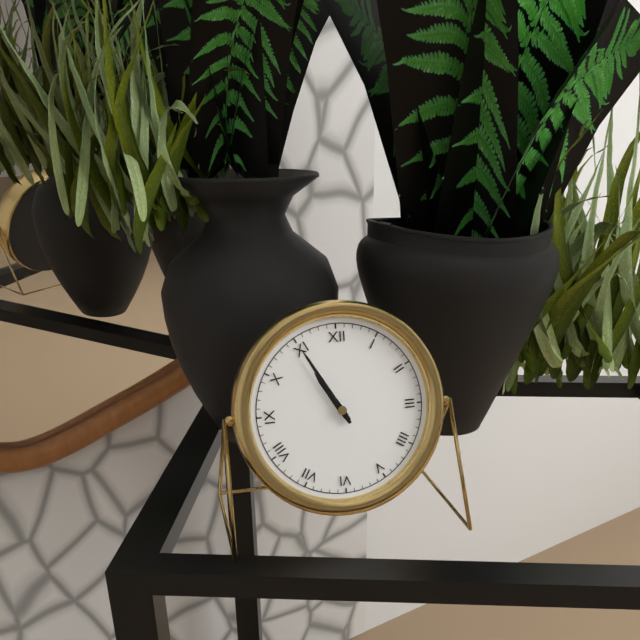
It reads 10 h 55 min
